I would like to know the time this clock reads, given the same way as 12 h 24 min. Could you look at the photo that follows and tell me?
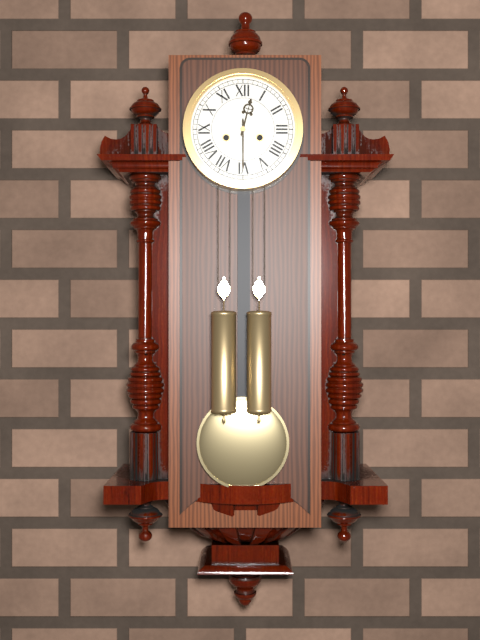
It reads 12 h 30 min
